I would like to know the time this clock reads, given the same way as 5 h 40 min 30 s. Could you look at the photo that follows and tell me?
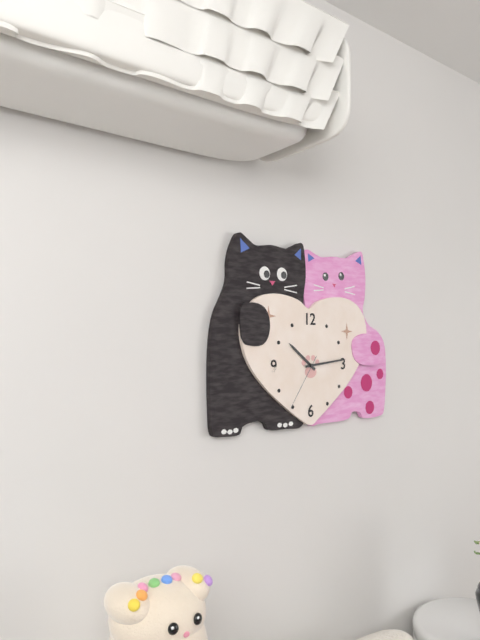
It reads 10 h 14 min 36 s
